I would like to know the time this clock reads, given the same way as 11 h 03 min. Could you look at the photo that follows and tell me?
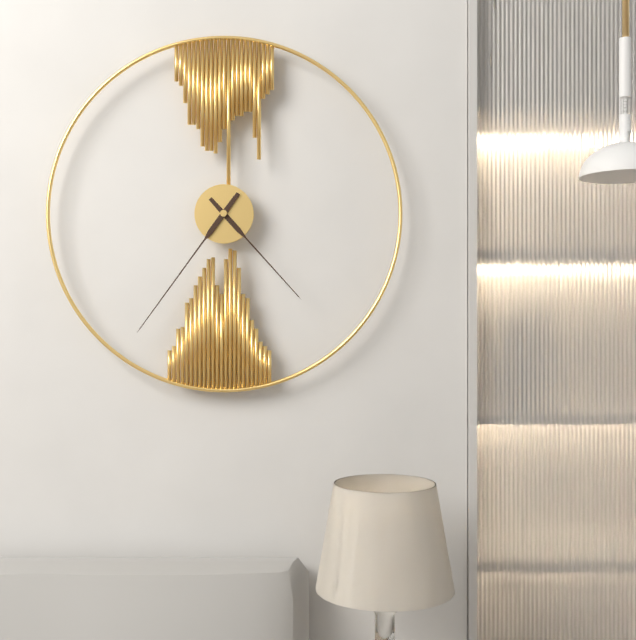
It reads 4 h 36 min
